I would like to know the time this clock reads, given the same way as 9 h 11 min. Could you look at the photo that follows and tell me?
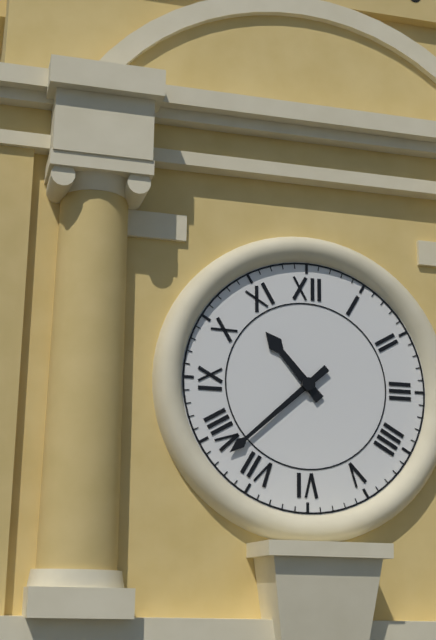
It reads 10 h 38 min
